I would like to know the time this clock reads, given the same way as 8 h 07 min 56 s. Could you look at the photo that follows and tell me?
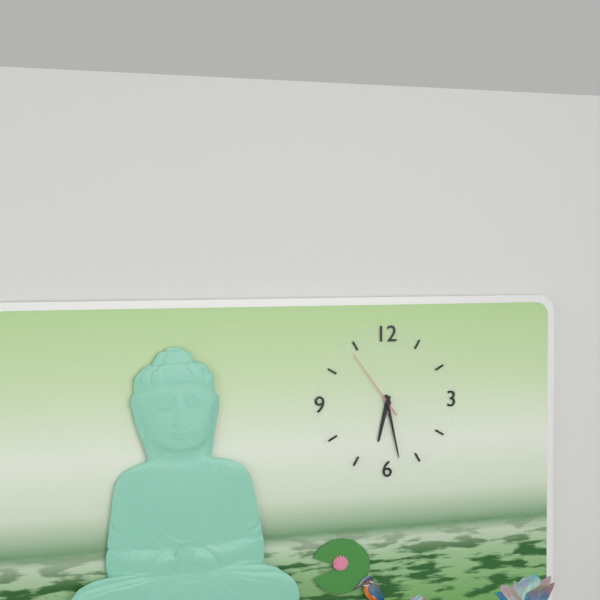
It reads 6 h 28 min 54 s
